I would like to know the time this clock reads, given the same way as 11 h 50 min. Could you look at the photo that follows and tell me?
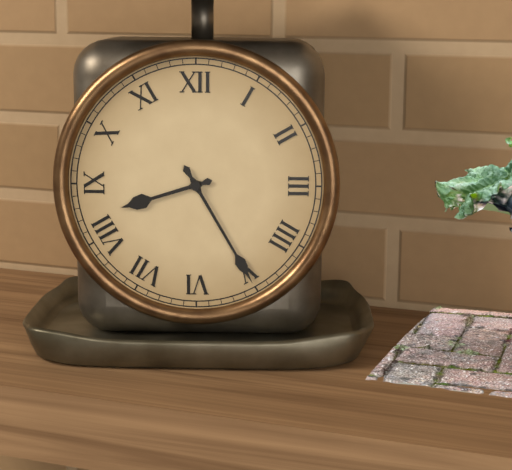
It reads 8 h 25 min
